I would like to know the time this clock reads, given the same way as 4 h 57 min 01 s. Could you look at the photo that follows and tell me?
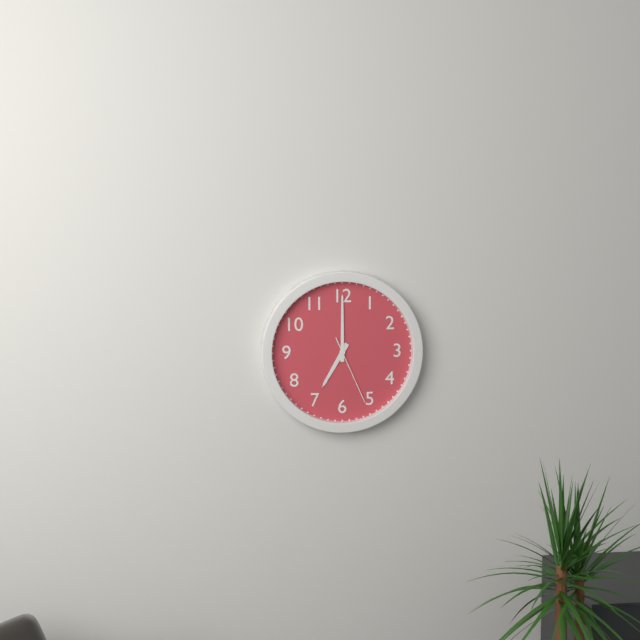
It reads 7 h 00 min 26 s
